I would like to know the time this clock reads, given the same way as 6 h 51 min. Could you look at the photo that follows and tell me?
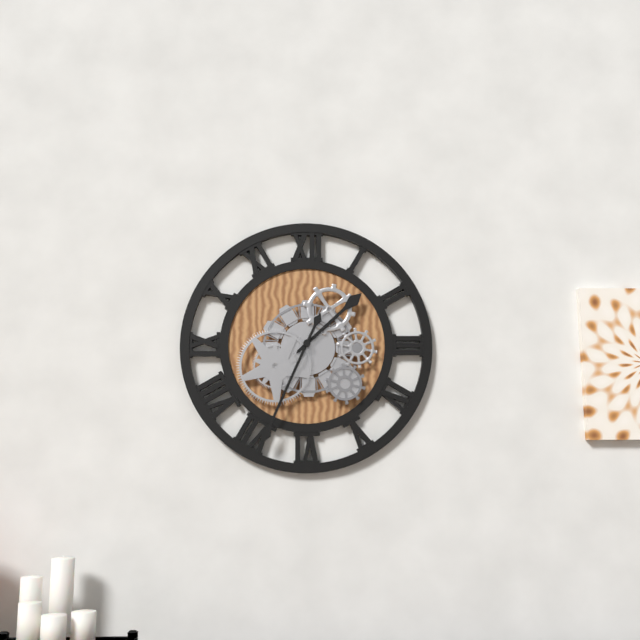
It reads 1 h 34 min
